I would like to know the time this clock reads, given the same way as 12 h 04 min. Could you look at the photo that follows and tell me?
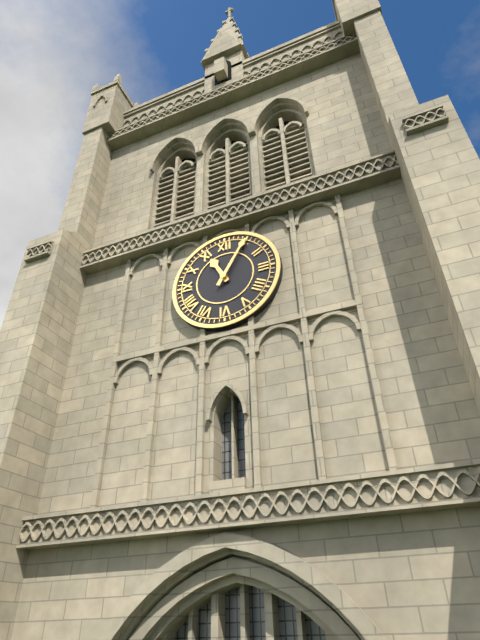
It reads 11 h 05 min
